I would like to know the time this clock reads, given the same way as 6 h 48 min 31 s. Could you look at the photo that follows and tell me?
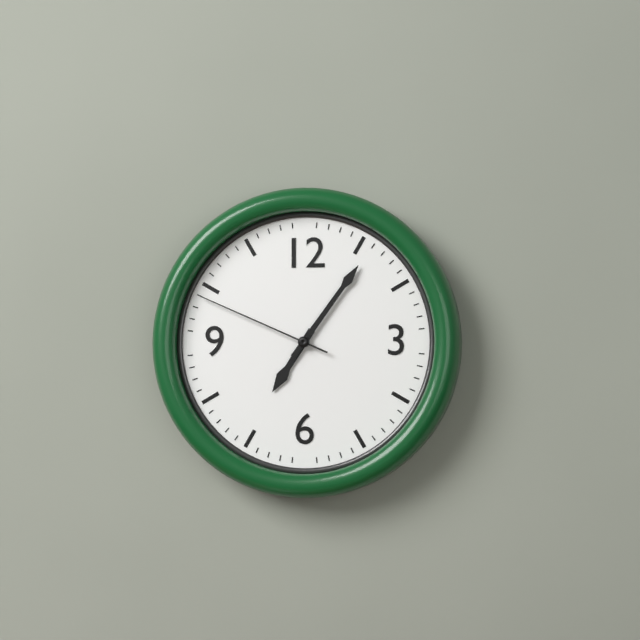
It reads 7 h 06 min 49 s
